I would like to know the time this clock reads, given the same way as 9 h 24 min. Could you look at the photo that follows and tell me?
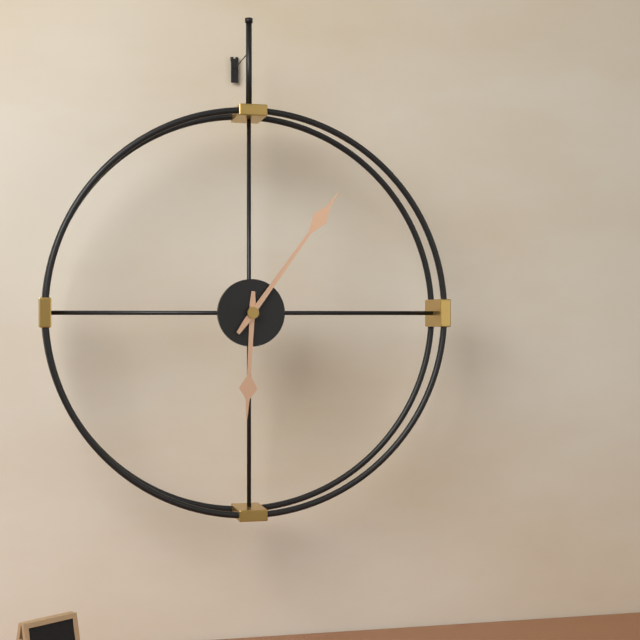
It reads 6 h 06 min
